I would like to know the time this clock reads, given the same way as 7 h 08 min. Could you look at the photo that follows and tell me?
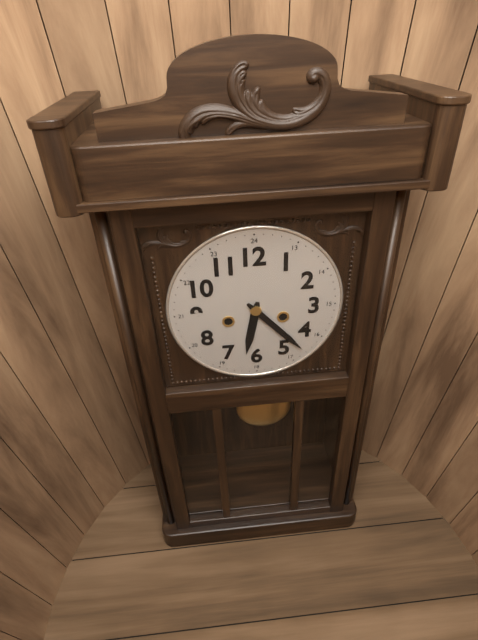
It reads 6 h 23 min
